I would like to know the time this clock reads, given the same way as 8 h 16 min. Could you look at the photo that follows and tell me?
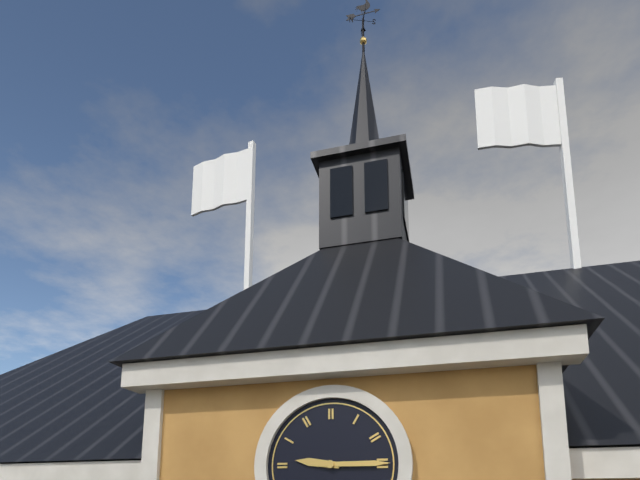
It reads 9 h 15 min
